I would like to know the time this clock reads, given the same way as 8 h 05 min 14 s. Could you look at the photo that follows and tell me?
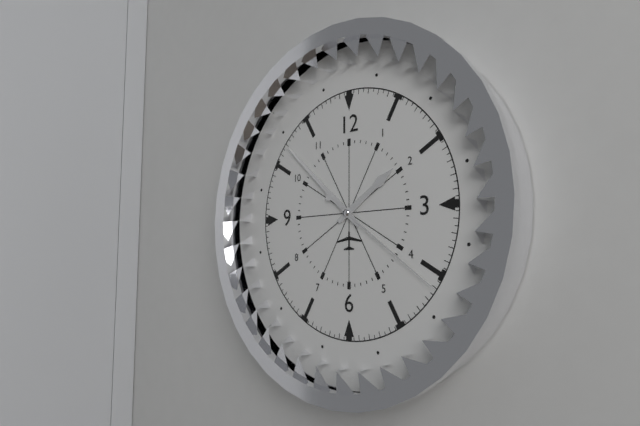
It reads 1 h 52 min 21 s
